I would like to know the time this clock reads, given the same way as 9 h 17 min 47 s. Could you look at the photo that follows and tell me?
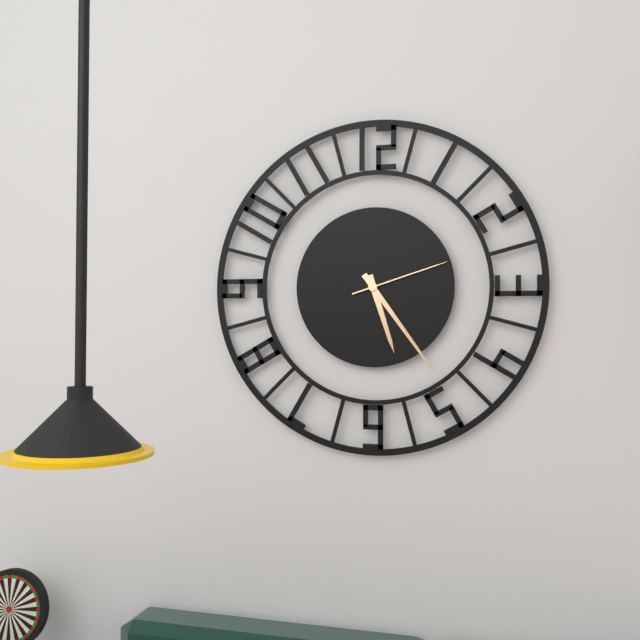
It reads 5 h 24 min 12 s
